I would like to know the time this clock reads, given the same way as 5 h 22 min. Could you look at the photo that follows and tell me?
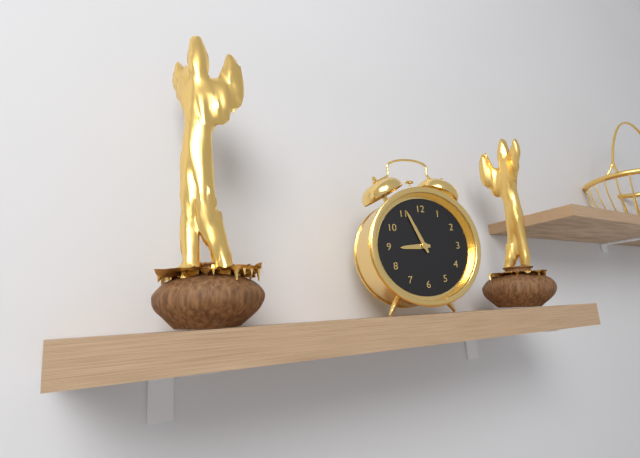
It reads 8 h 56 min
